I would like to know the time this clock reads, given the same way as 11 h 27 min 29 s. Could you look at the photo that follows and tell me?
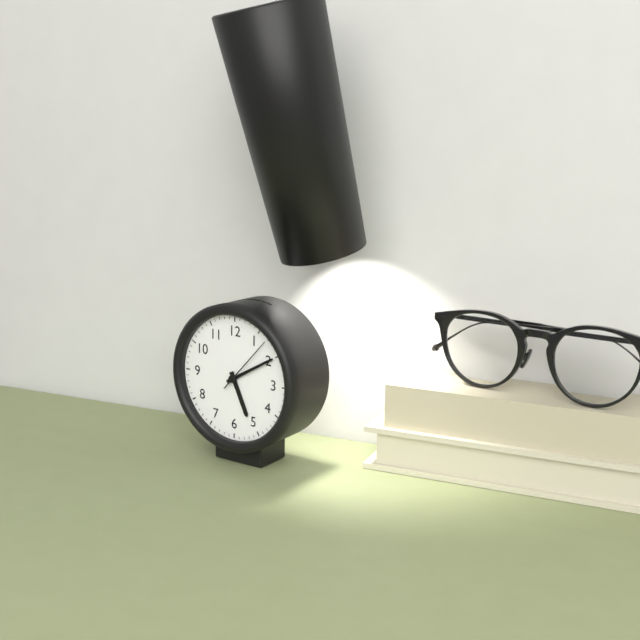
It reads 5 h 10 min 07 s
